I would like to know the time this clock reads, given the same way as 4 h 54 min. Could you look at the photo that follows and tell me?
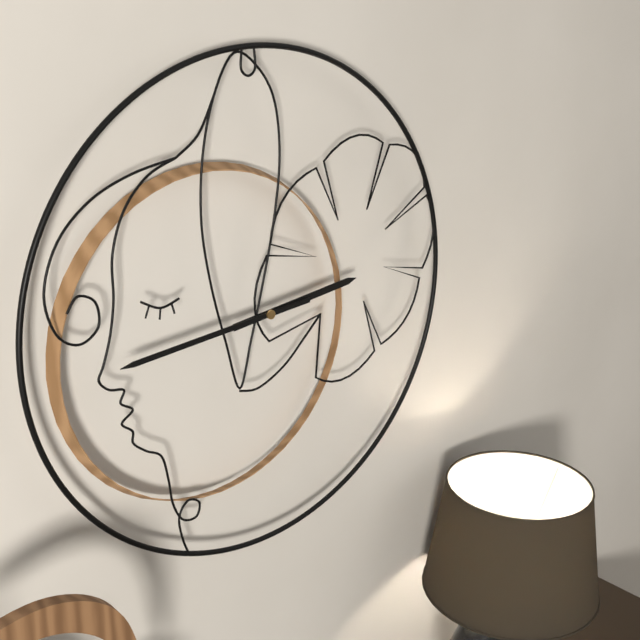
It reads 2 h 44 min
